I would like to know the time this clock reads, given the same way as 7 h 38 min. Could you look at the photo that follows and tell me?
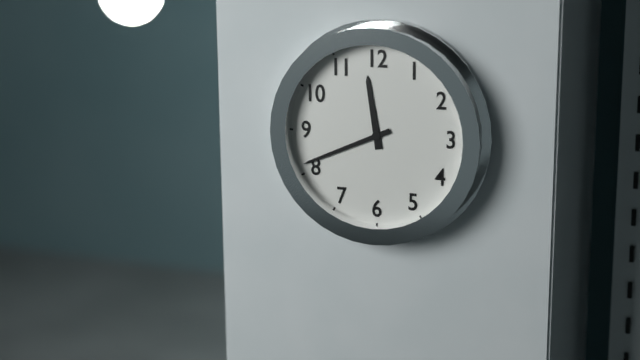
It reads 11 h 41 min
